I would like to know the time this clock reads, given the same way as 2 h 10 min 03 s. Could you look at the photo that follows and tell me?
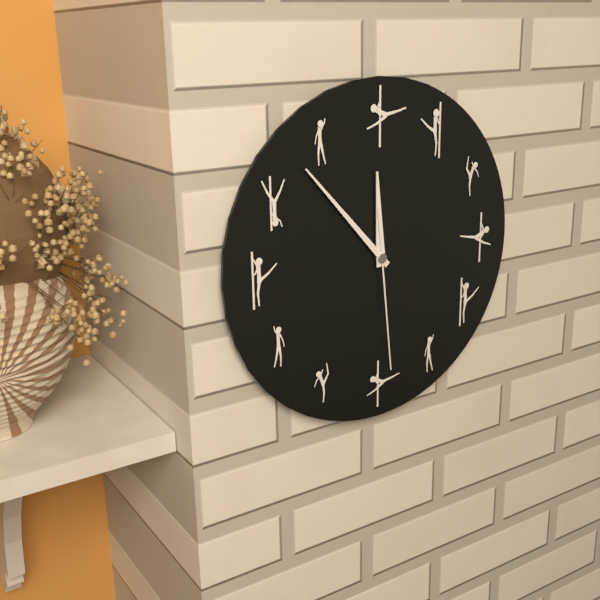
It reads 11 h 53 min 29 s
